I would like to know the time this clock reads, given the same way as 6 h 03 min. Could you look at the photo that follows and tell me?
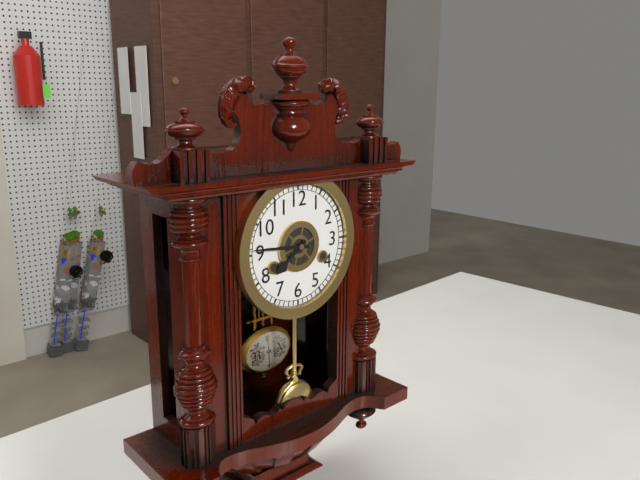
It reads 7 h 46 min
